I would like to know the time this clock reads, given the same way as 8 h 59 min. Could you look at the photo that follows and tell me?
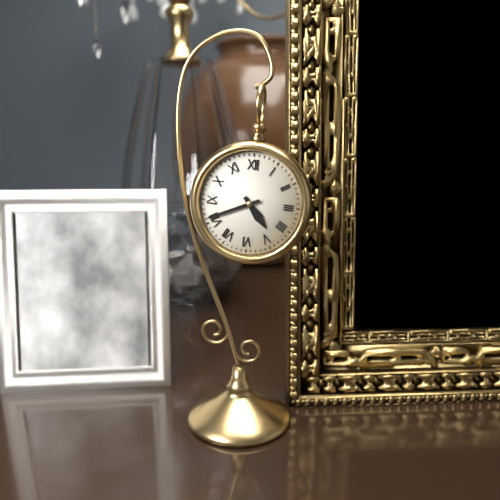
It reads 4 h 41 min
